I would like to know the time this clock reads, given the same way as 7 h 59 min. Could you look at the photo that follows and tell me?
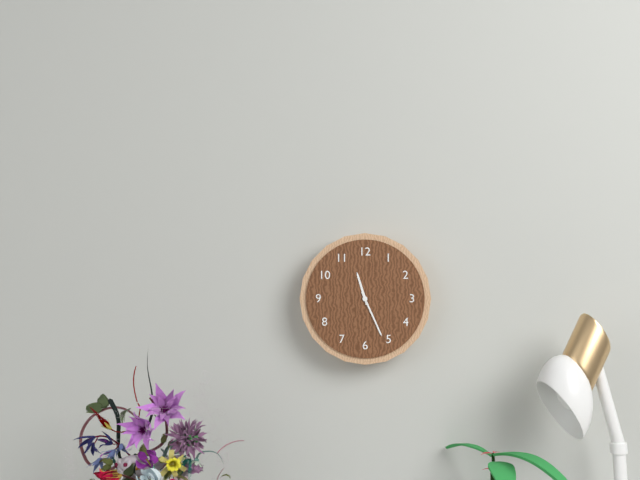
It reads 11 h 26 min
